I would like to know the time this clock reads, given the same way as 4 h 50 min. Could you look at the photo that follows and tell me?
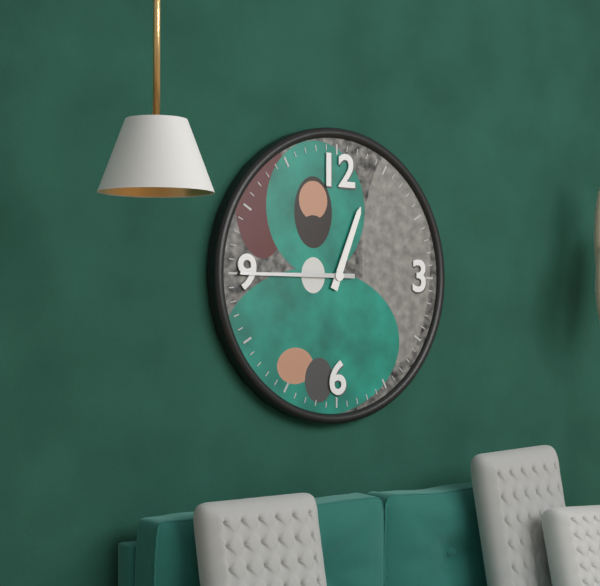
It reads 12 h 45 min
